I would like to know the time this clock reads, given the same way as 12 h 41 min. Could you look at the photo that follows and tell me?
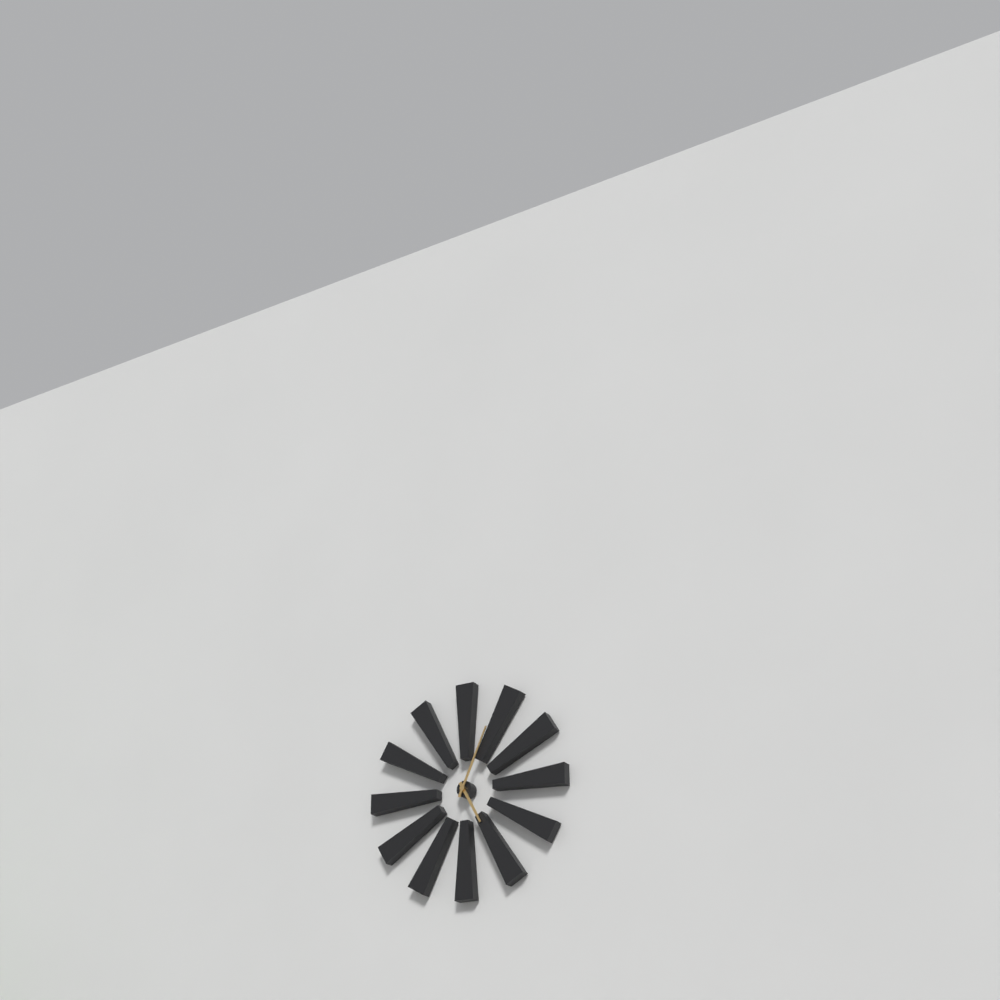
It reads 5 h 04 min
